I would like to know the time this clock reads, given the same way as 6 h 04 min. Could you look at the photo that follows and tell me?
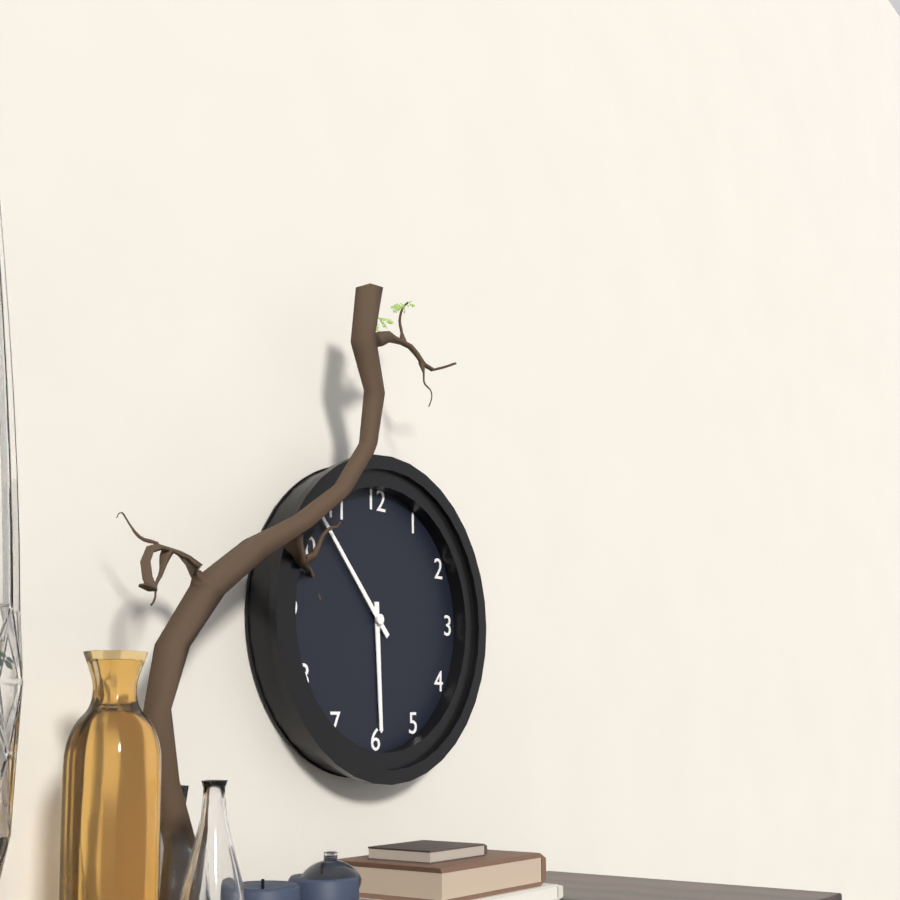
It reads 5 h 53 min
